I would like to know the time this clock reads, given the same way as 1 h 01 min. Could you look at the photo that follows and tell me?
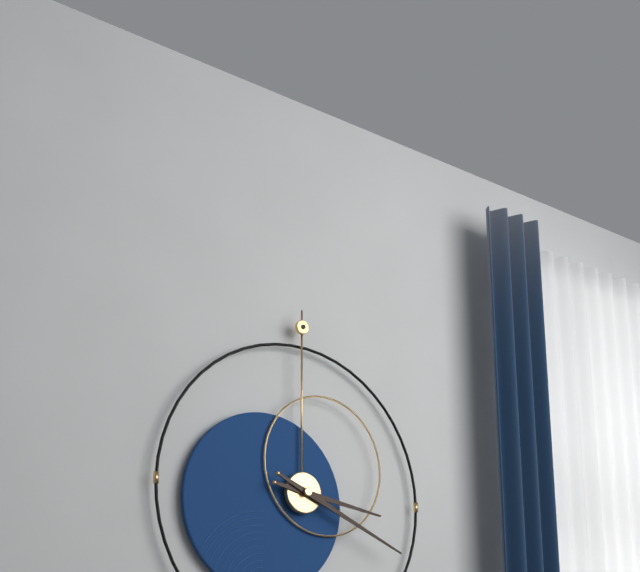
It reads 3 h 19 min
